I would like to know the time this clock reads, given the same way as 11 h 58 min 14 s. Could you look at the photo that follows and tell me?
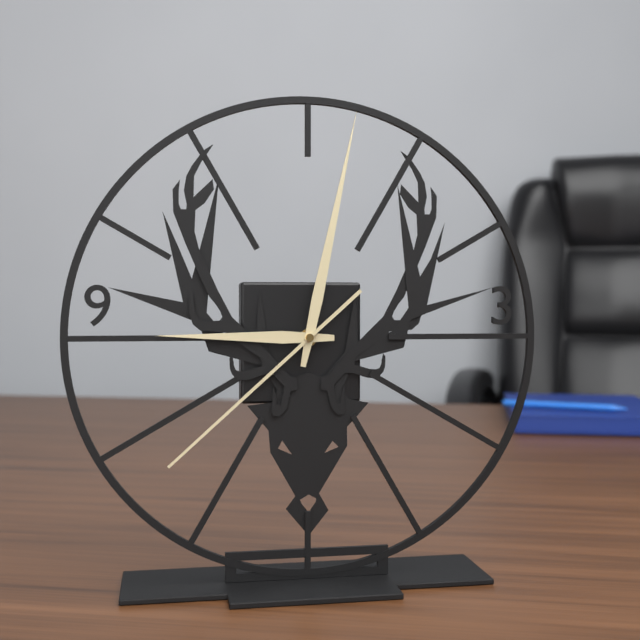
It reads 9 h 02 min 38 s
